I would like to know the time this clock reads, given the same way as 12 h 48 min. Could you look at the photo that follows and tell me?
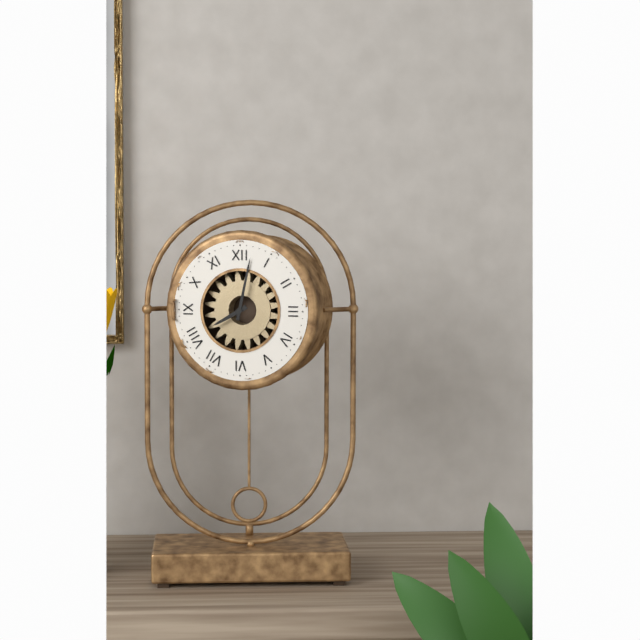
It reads 8 h 02 min
